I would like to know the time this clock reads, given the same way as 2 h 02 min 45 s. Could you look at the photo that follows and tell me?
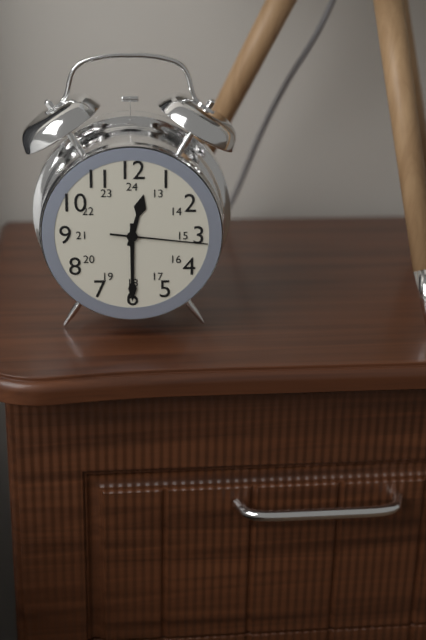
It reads 12 h 30 min 16 s
